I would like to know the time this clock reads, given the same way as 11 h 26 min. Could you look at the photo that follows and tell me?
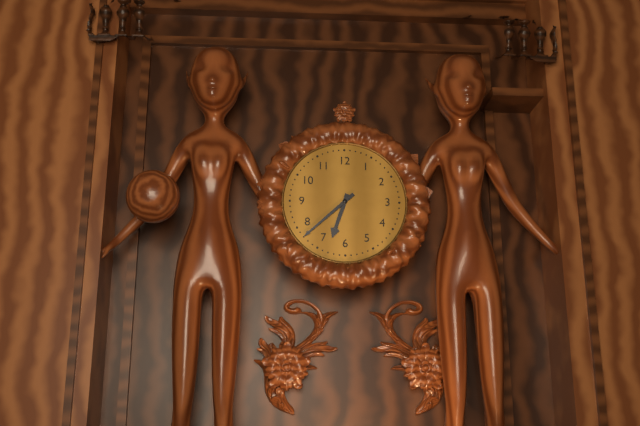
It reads 6 h 38 min
